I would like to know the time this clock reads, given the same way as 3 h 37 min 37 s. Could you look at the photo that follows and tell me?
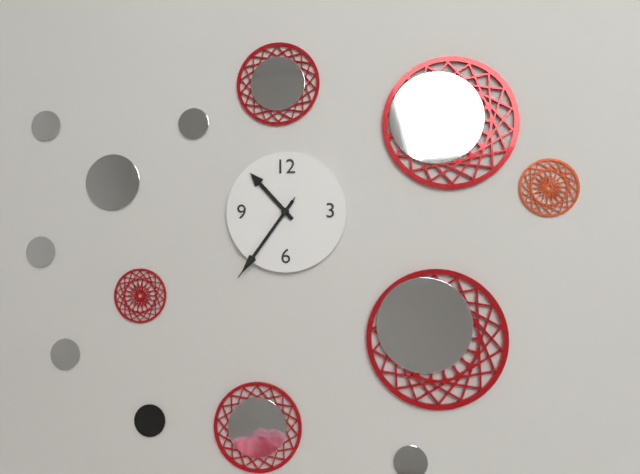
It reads 10 h 36 min 36 s
